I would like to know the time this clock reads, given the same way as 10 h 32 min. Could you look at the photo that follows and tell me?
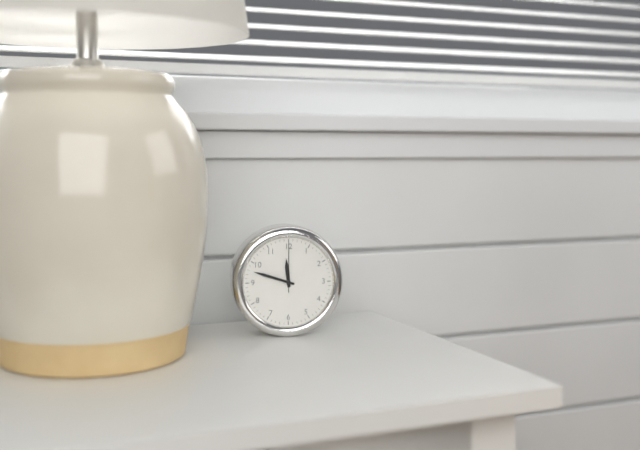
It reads 11 h 48 min
